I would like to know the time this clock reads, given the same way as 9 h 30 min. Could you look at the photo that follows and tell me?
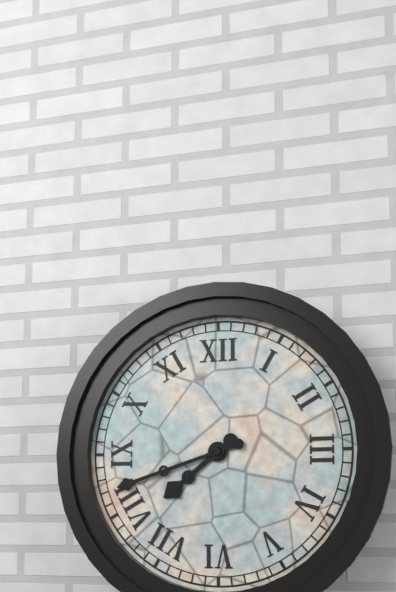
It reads 7 h 42 min
